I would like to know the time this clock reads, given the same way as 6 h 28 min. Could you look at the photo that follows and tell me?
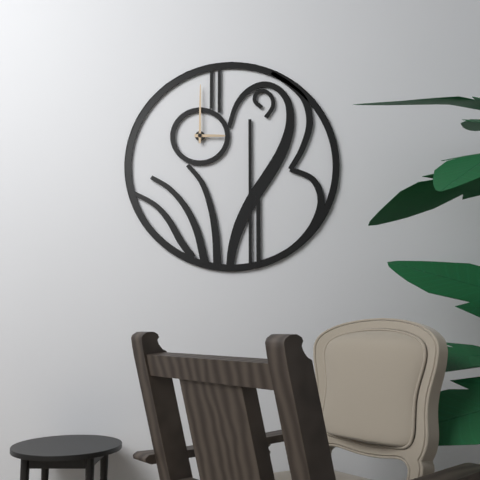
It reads 3 h 00 min
